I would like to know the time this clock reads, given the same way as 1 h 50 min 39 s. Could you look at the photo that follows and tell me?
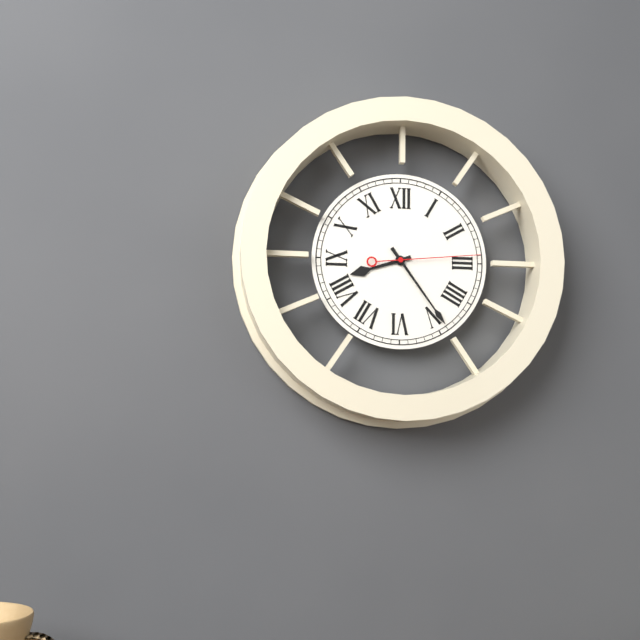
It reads 8 h 24 min 14 s
